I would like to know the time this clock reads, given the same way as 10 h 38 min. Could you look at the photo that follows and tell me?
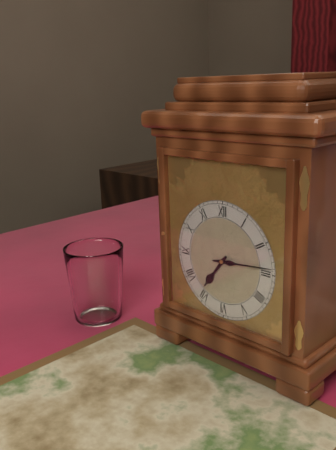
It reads 7 h 14 min
